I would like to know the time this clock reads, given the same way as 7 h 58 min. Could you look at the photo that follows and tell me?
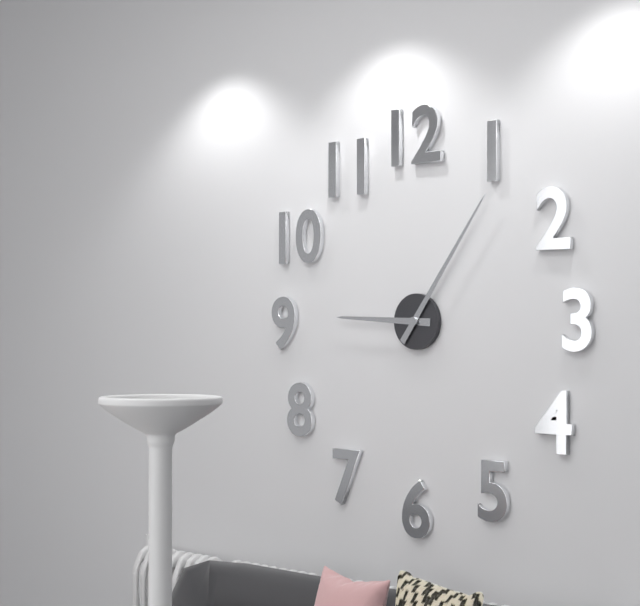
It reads 9 h 06 min
